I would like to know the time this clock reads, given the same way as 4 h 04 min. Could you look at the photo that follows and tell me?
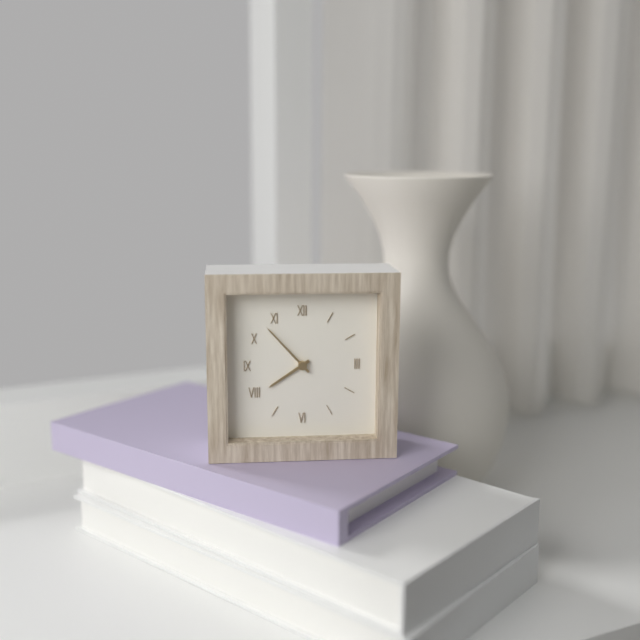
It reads 7 h 53 min
